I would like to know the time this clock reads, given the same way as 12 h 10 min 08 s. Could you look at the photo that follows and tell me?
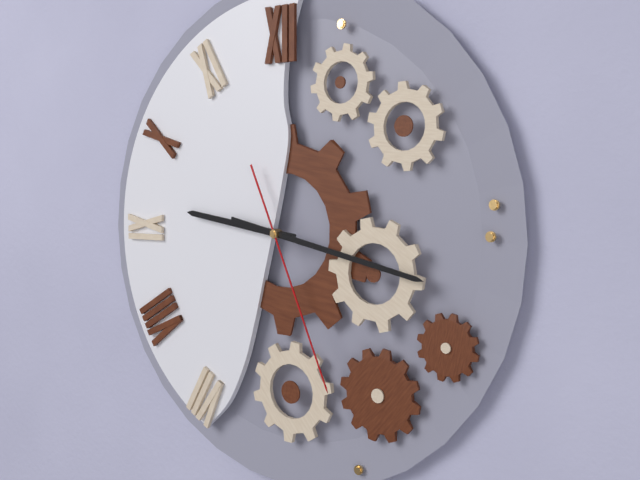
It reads 9 h 17 min 26 s
